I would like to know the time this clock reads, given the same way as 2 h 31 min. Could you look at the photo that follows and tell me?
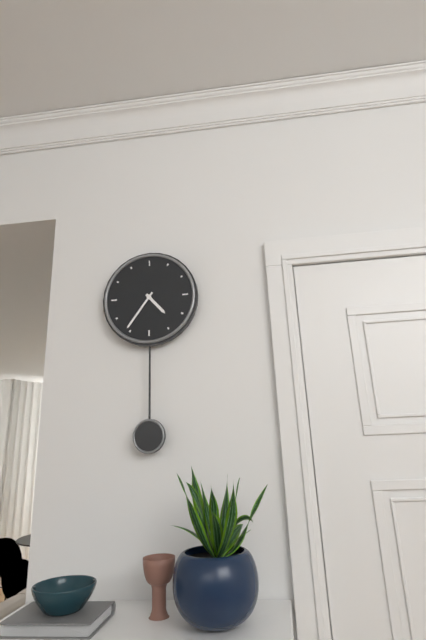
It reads 4 h 36 min
